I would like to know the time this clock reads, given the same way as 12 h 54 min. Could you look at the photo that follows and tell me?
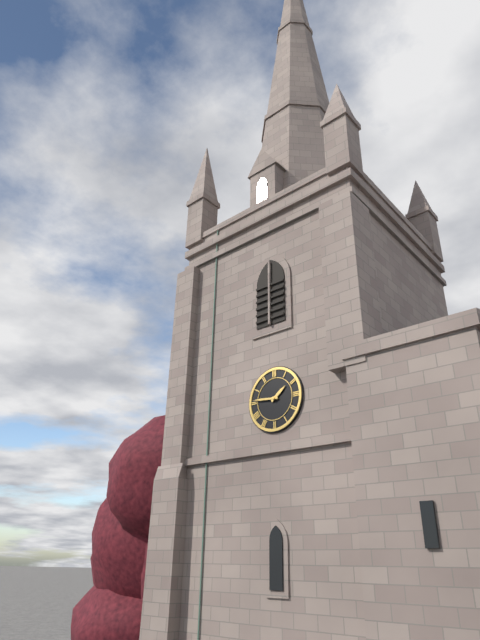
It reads 1 h 46 min
